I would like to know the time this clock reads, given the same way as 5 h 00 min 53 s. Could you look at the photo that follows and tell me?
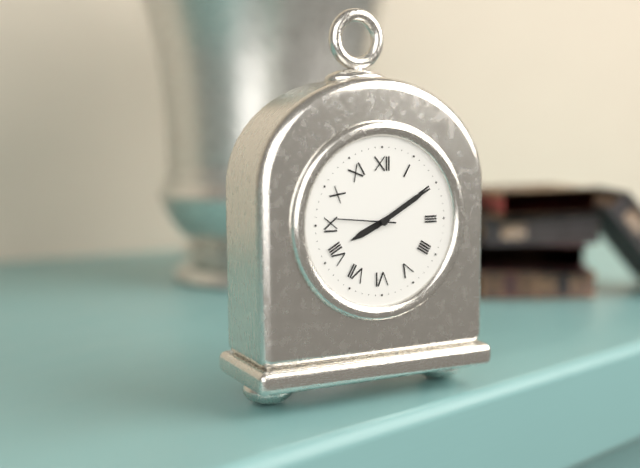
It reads 8 h 10 min 46 s
